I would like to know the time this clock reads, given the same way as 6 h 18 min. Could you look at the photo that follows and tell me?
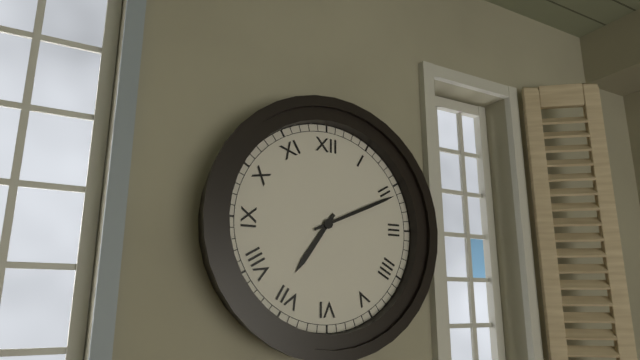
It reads 7 h 11 min
